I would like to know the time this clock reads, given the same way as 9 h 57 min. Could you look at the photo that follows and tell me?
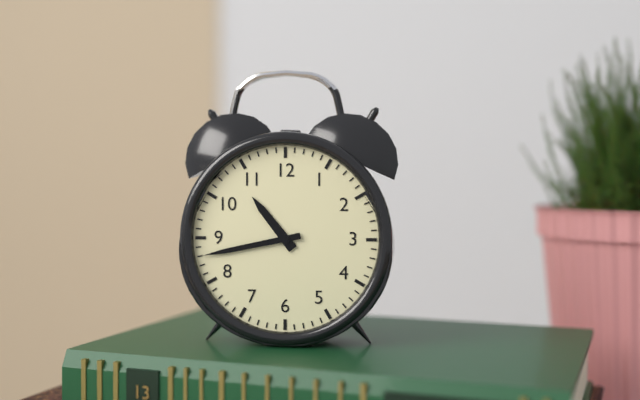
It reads 10 h 43 min
